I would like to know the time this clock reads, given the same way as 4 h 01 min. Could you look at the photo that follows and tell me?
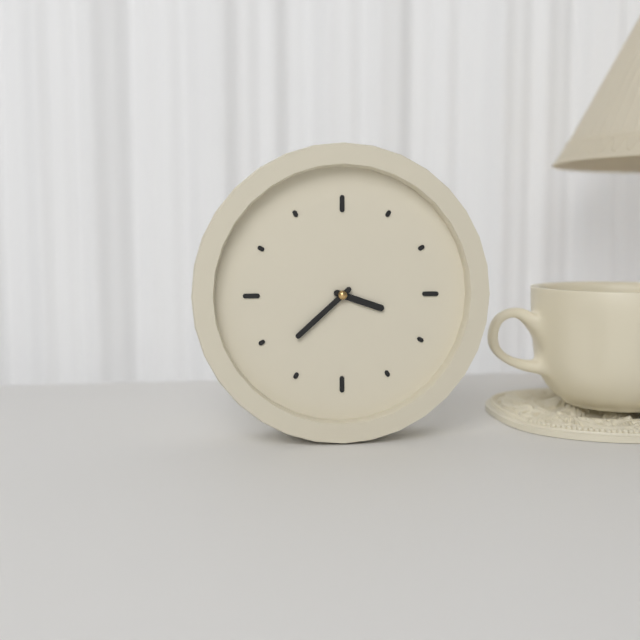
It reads 3 h 38 min
